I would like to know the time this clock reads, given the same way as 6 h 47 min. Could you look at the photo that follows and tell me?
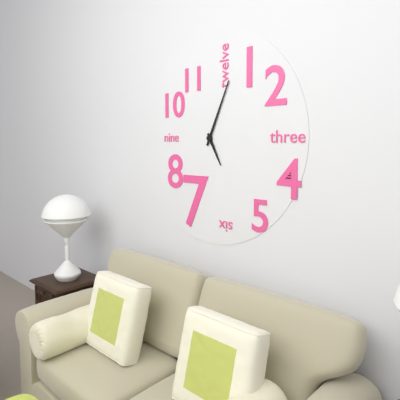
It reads 5 h 04 min
